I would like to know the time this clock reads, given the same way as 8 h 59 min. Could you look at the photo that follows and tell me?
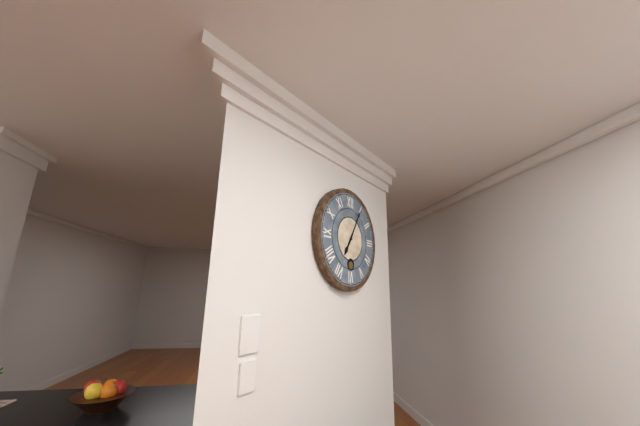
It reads 7 h 05 min
